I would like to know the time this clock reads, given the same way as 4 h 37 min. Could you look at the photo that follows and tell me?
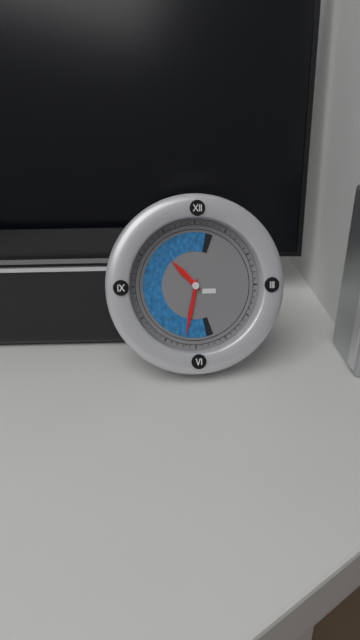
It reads 10 h 32 min
